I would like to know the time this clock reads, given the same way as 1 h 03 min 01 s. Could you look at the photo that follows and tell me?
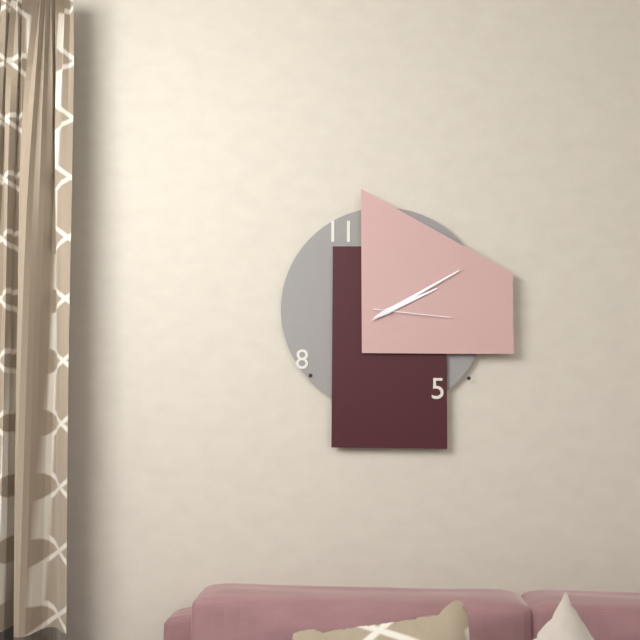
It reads 2 h 10 min 16 s
